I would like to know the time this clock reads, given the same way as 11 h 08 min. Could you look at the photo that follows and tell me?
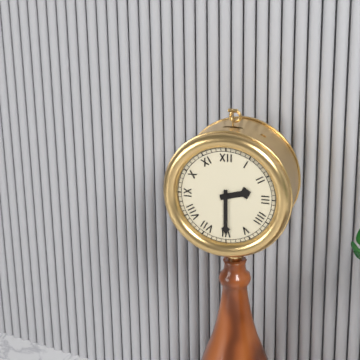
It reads 2 h 30 min
